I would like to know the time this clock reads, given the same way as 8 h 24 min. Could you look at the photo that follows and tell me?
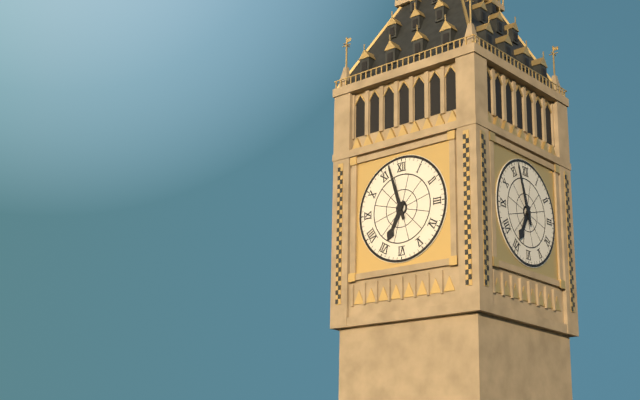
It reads 6 h 57 min
